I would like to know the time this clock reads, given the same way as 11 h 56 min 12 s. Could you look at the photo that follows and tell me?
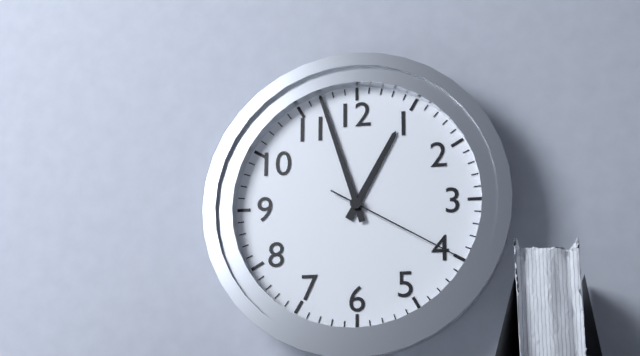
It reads 12 h 57 min 20 s
